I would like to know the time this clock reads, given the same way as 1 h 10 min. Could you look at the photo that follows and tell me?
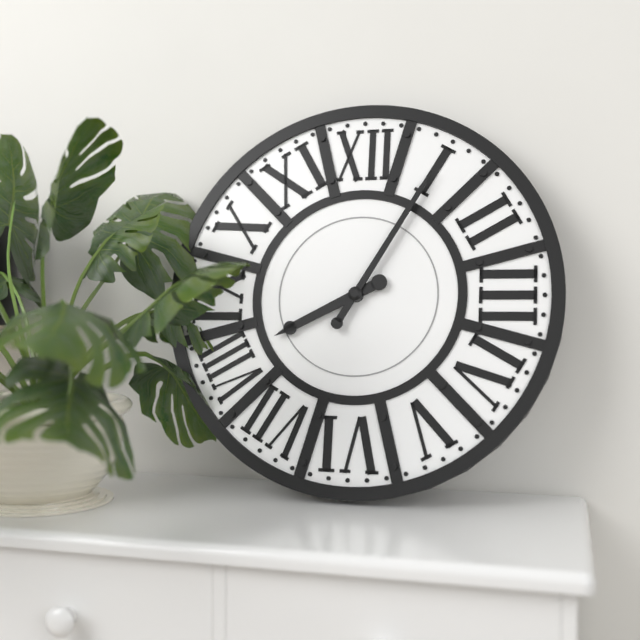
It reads 8 h 05 min
